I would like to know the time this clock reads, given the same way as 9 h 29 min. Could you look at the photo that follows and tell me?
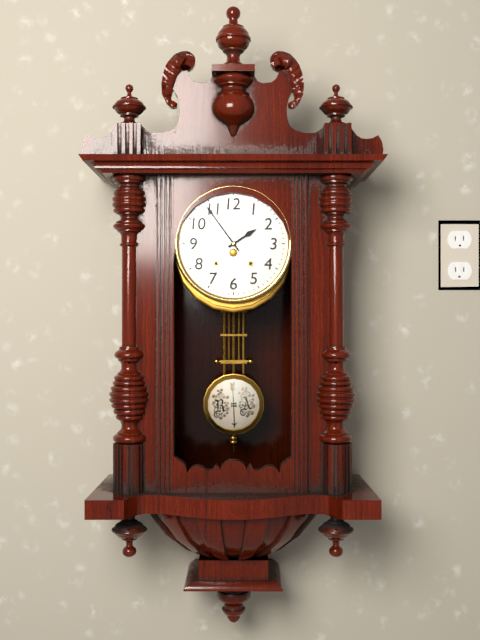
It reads 1 h 54 min
